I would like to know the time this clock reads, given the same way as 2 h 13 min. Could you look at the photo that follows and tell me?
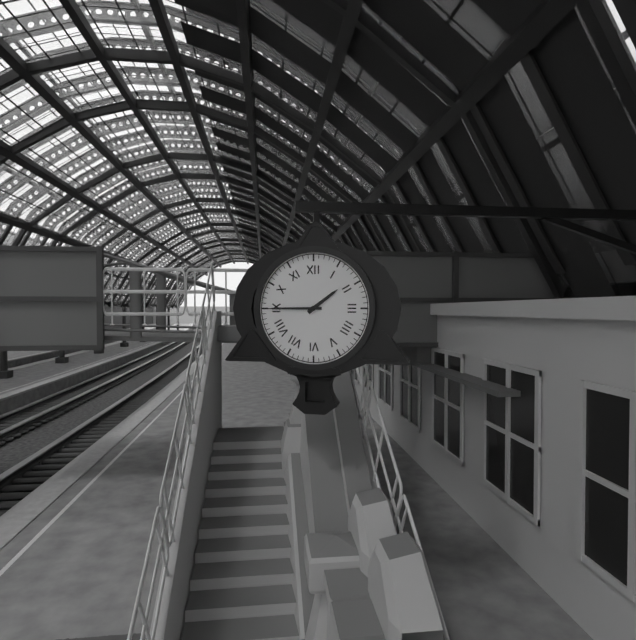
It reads 1 h 45 min
